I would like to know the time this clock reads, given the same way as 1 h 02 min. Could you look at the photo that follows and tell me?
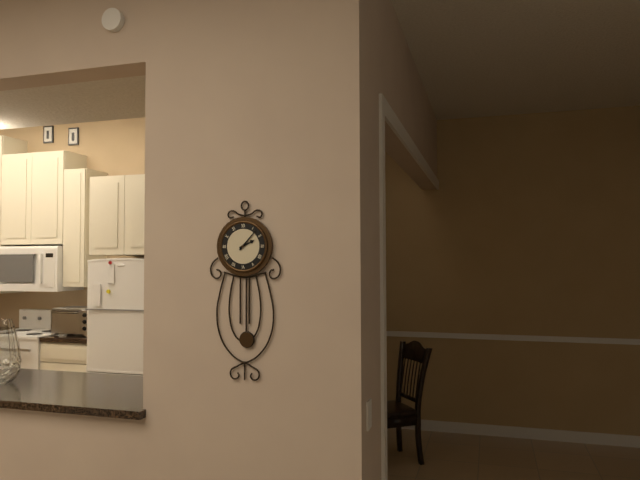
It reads 2 h 07 min
